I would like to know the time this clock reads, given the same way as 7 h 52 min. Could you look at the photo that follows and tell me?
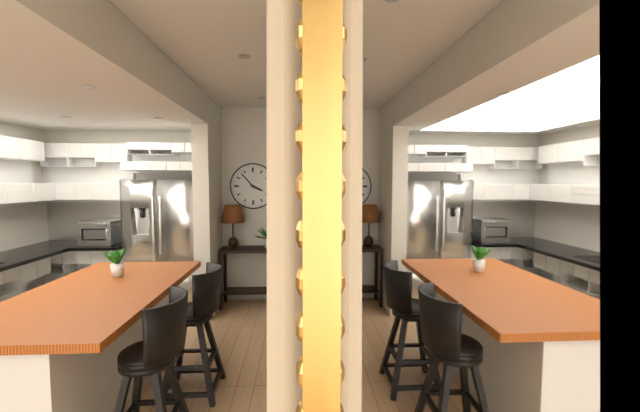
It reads 3 h 53 min
